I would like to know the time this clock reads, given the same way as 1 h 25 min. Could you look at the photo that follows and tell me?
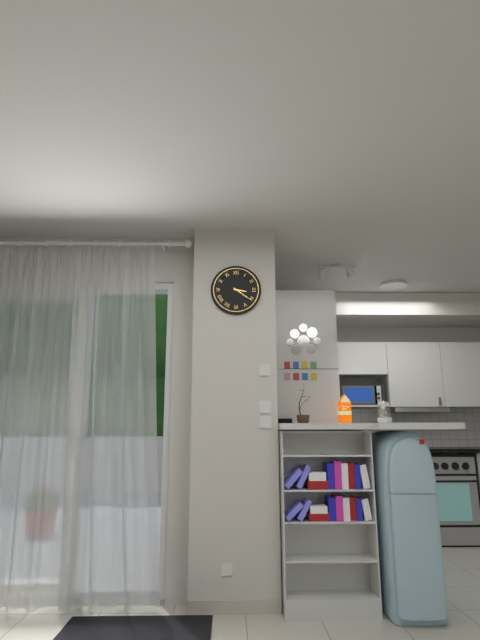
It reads 3 h 21 min
